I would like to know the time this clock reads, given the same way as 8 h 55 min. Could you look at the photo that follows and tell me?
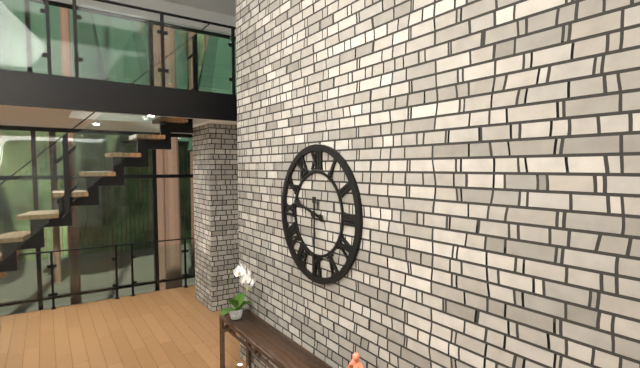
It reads 9 h 30 min
